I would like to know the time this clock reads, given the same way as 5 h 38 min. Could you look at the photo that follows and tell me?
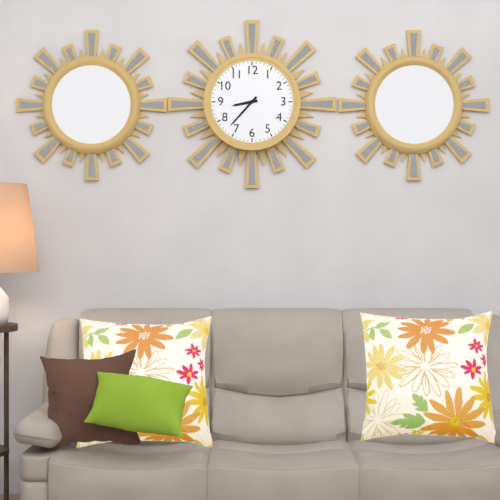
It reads 8 h 37 min
